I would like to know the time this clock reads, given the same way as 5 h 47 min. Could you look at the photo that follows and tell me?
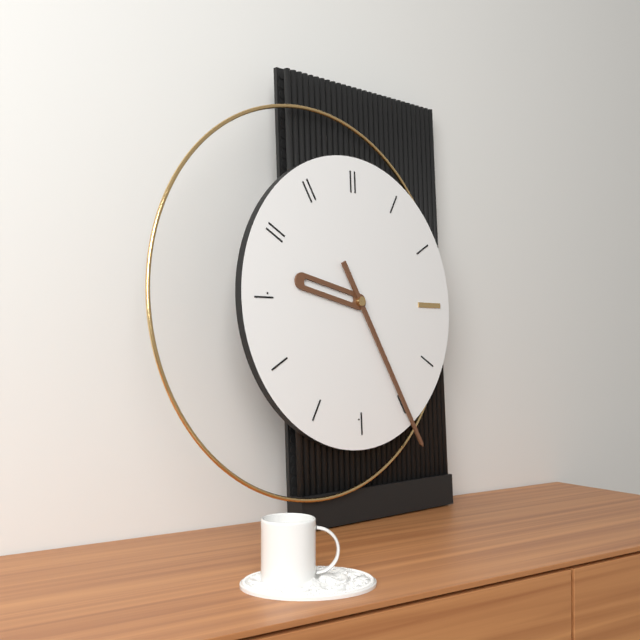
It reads 9 h 25 min
